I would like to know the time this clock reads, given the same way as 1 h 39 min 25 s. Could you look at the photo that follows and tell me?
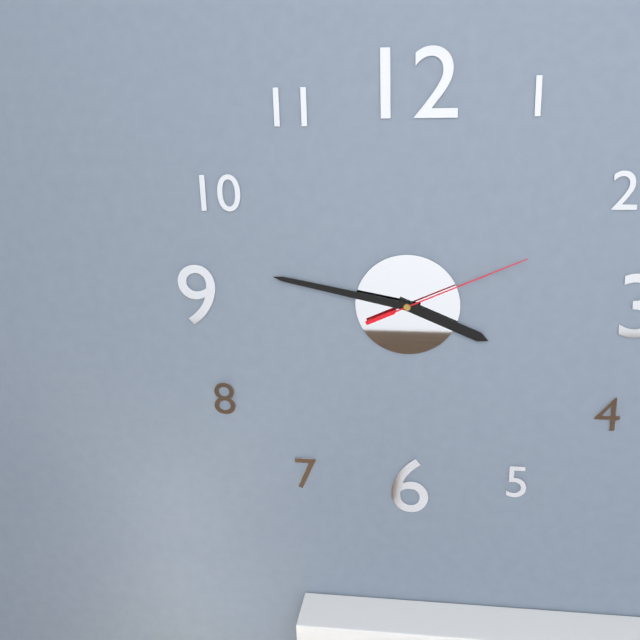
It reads 3 h 47 min 11 s
